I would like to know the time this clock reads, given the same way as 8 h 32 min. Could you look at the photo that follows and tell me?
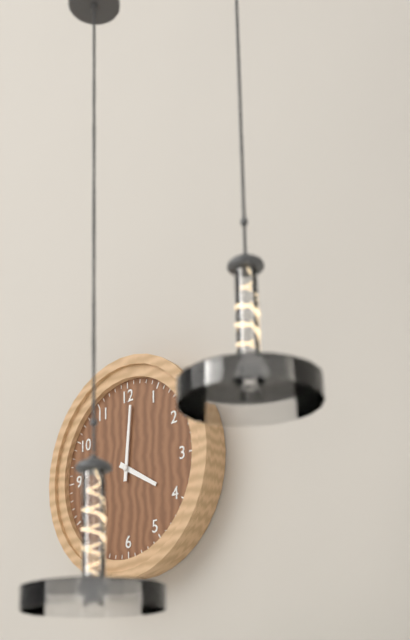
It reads 4 h 01 min
